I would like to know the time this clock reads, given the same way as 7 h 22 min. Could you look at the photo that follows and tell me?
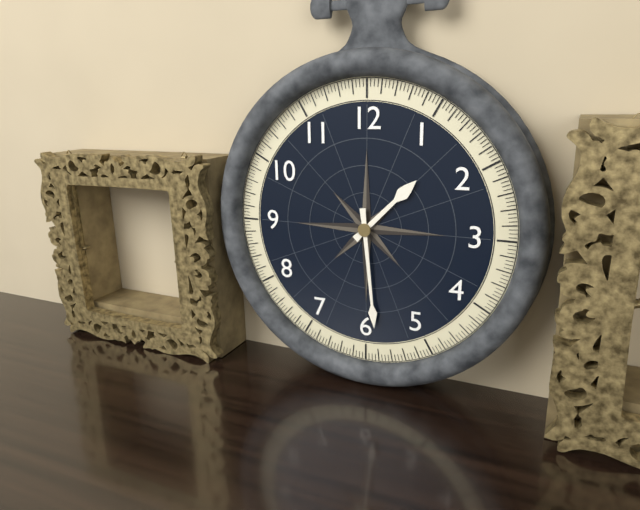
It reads 1 h 29 min
